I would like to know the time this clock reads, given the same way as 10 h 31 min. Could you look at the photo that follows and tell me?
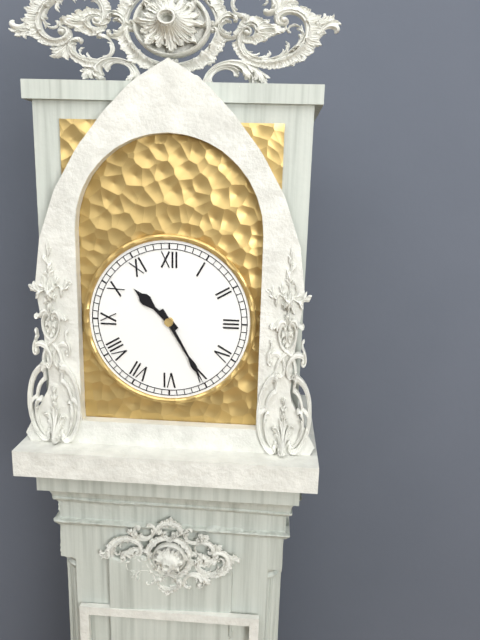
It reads 10 h 25 min
